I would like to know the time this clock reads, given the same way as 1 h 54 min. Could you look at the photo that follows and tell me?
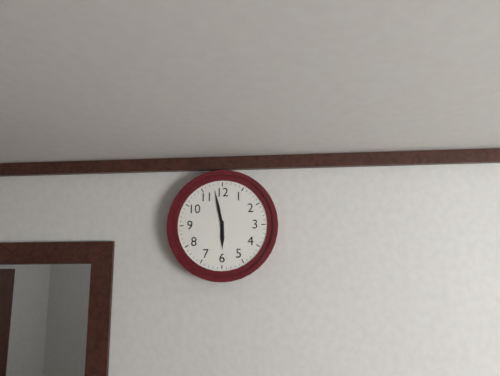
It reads 5 h 58 min
